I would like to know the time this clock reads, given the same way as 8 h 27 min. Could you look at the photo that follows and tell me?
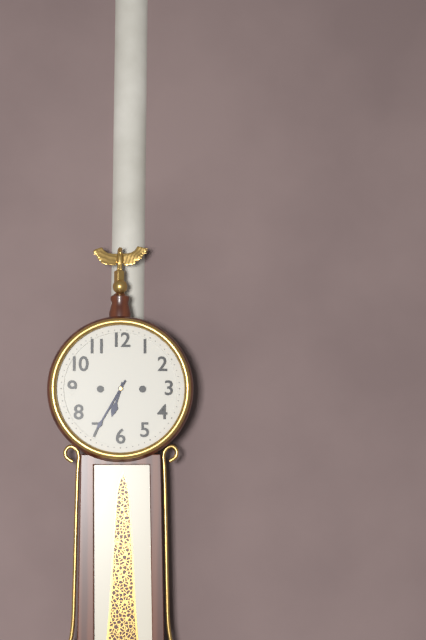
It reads 6 h 35 min
